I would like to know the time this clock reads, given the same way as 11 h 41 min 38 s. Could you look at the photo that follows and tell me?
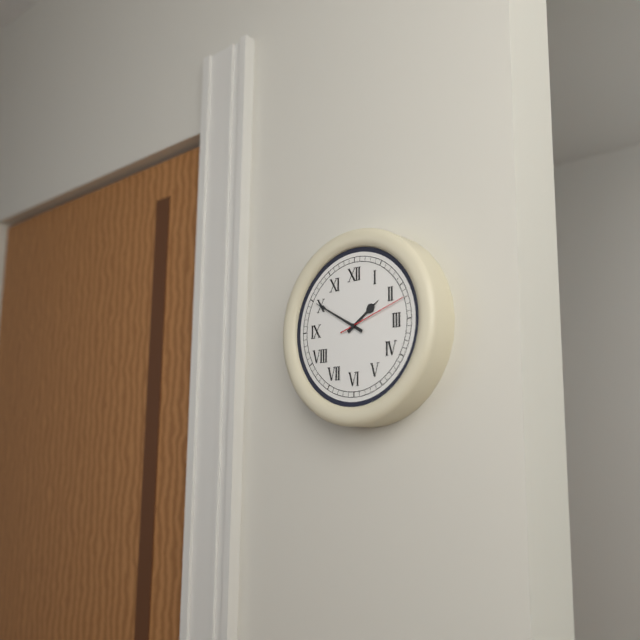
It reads 1 h 50 min 12 s
